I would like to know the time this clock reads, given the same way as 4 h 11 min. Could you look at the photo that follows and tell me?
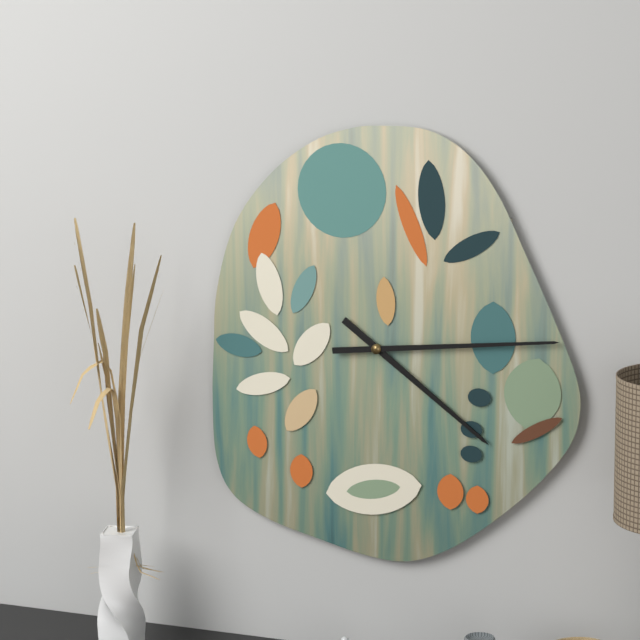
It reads 4 h 14 min
